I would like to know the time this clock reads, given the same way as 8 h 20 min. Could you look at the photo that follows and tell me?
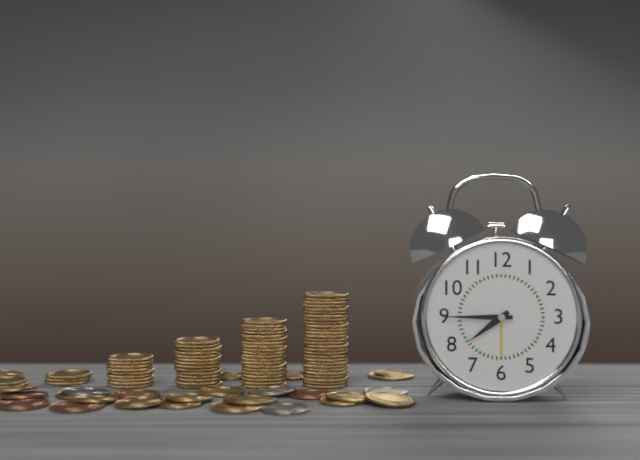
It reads 7 h 45 min
